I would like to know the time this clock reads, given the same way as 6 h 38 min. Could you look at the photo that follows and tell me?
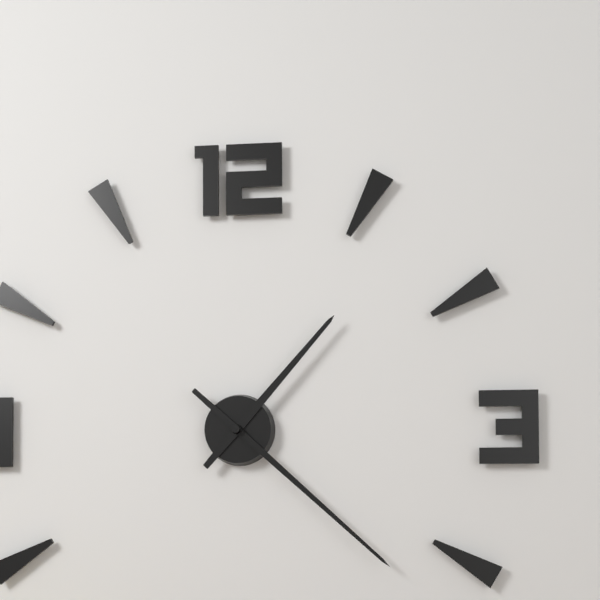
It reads 1 h 22 min
